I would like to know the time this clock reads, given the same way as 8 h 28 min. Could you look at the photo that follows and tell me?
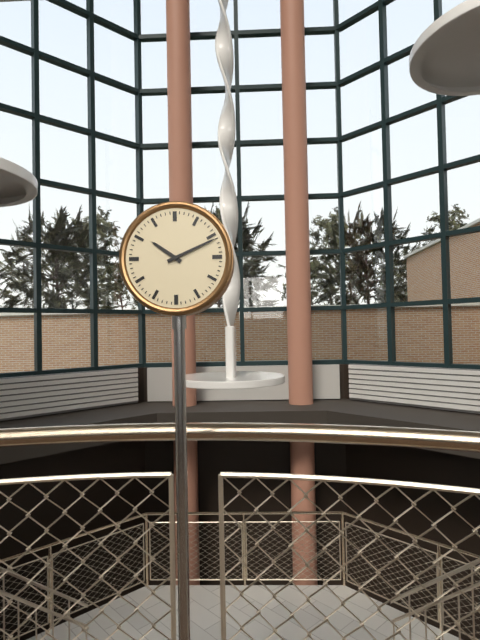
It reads 10 h 11 min
